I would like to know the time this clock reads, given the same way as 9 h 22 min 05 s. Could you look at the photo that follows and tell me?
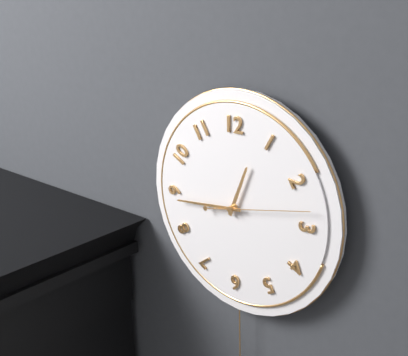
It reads 12 h 44 min 13 s
